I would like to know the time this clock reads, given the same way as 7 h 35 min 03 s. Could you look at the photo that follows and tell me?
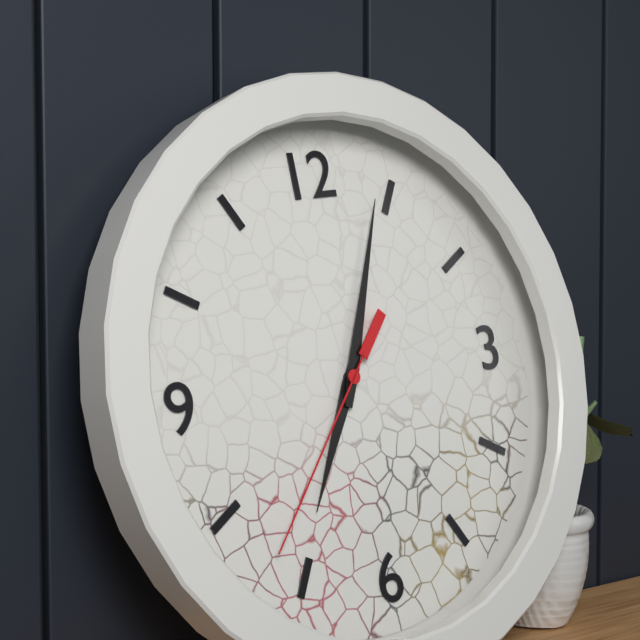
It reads 7 h 04 min 37 s
